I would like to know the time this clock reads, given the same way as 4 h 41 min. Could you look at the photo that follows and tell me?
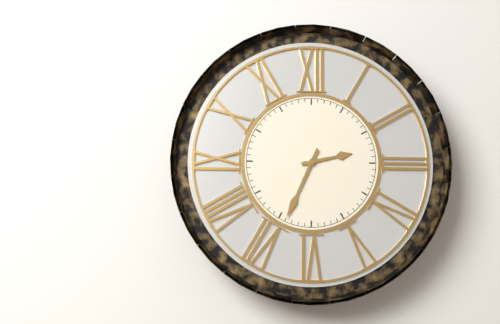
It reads 2 h 34 min
